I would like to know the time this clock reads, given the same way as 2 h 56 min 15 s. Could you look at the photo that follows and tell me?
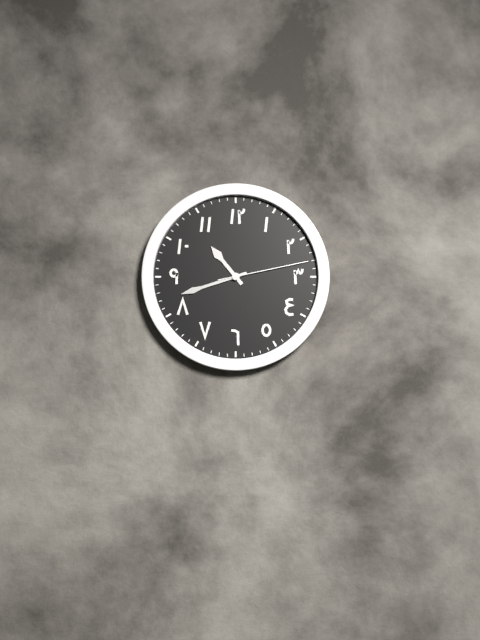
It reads 10 h 42 min 13 s
